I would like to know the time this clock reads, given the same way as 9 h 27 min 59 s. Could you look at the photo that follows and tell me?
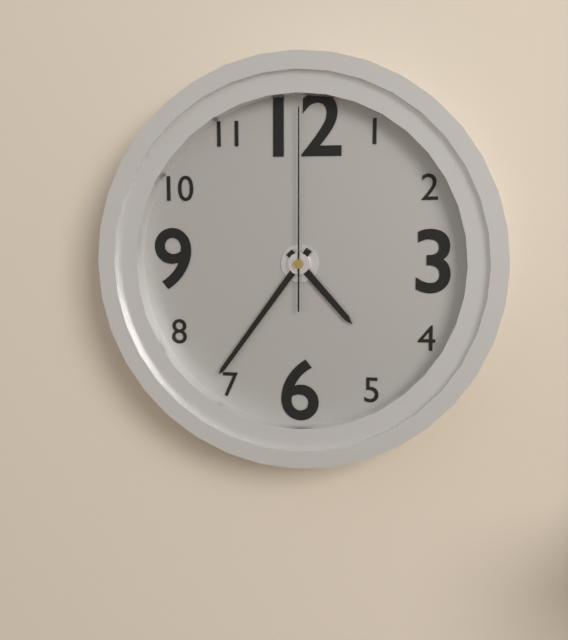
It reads 4 h 36 min 00 s
